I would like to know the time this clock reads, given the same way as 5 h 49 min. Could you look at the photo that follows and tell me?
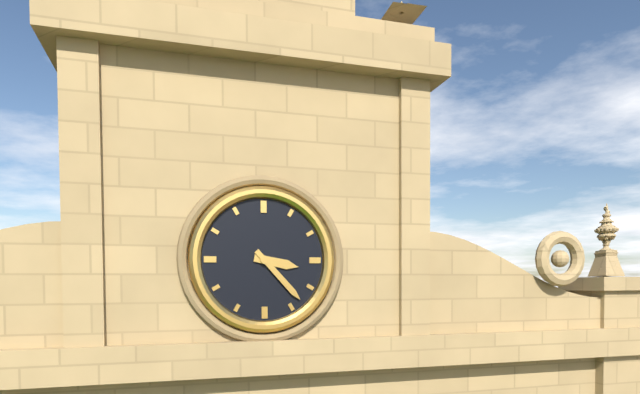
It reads 3 h 23 min
